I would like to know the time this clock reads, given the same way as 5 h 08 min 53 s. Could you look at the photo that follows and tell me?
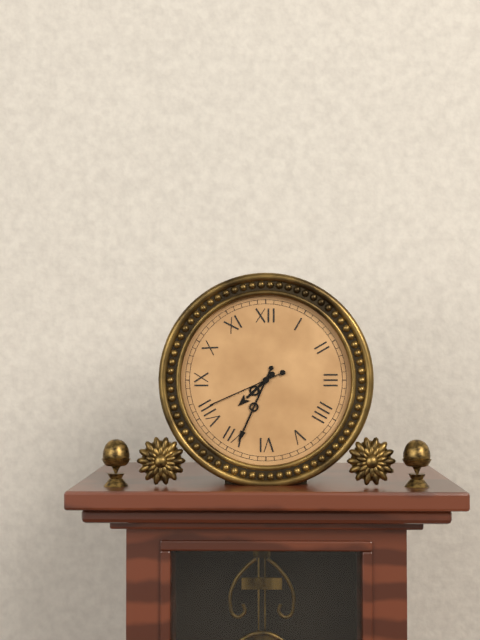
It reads 7 h 34 min 41 s
